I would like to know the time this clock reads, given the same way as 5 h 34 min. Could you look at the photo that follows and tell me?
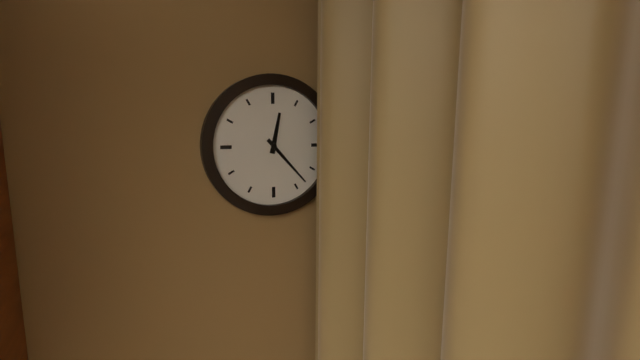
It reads 12 h 23 min
